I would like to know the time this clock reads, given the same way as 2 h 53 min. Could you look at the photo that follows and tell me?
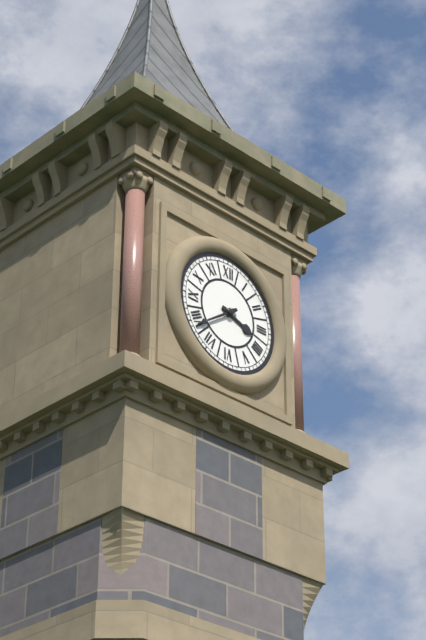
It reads 3 h 39 min
